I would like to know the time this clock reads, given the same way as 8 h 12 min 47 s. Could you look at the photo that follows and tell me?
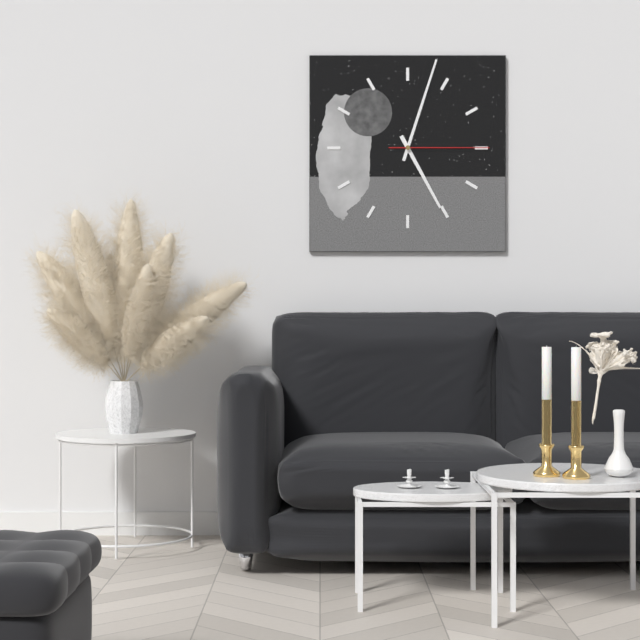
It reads 5 h 03 min 15 s
